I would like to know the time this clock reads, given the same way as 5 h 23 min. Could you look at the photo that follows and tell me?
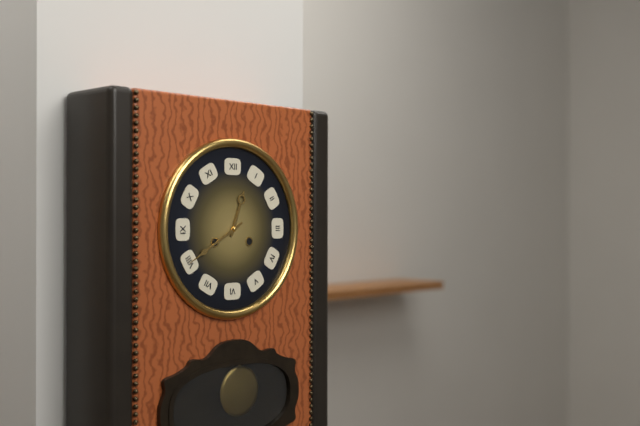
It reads 12 h 40 min
